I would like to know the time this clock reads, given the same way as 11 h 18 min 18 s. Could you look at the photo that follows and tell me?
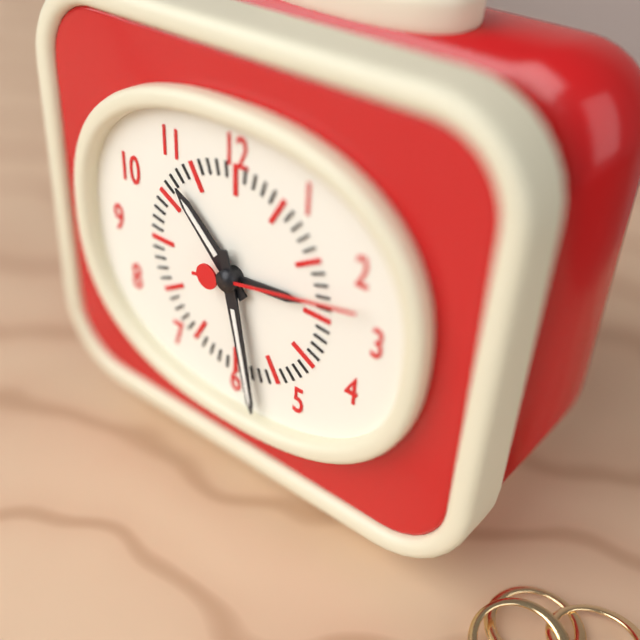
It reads 10 h 28 min 13 s
